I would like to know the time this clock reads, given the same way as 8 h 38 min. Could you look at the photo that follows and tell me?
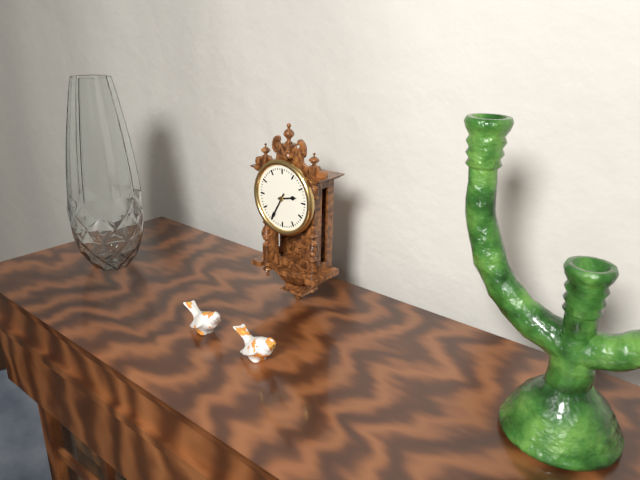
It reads 2 h 35 min
